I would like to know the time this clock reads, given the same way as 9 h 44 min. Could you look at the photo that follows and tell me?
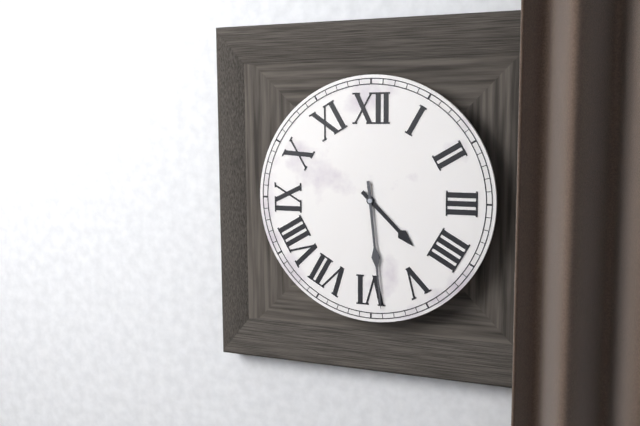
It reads 4 h 29 min
